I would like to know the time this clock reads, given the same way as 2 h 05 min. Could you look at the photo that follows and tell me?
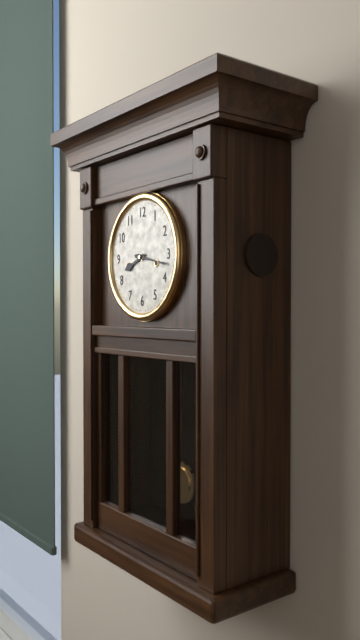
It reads 8 h 17 min
